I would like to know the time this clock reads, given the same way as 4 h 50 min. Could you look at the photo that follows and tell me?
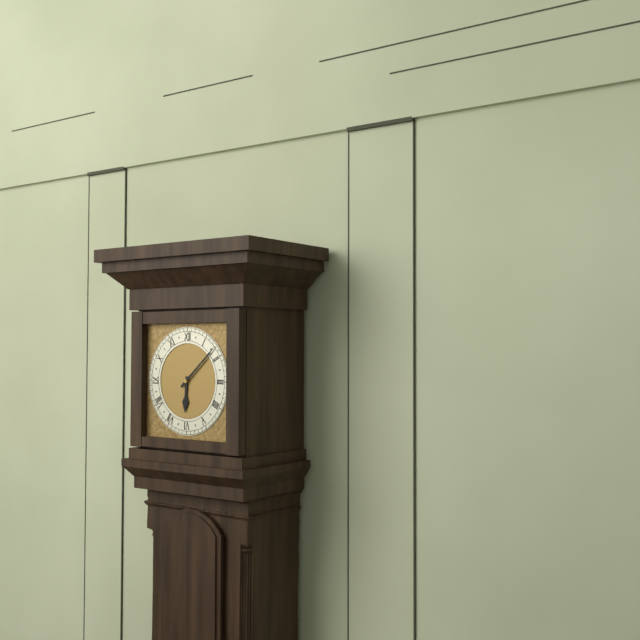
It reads 6 h 08 min
